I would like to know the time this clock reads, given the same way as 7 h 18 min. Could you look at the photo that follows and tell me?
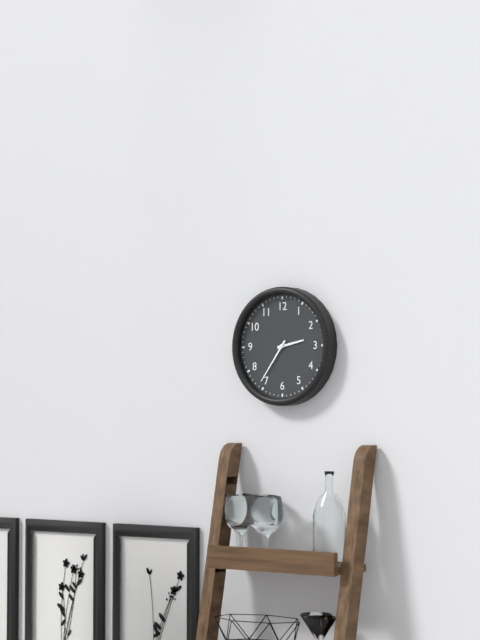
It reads 2 h 36 min
